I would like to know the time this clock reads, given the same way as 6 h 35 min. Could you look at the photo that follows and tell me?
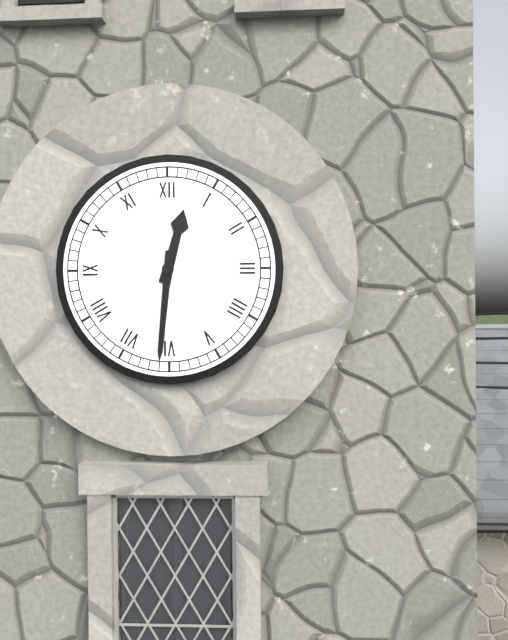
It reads 12 h 31 min
